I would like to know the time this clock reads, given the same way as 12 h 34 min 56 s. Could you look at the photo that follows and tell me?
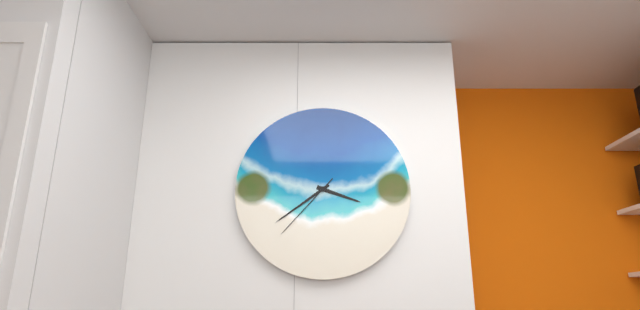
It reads 3 h 39 min 37 s
